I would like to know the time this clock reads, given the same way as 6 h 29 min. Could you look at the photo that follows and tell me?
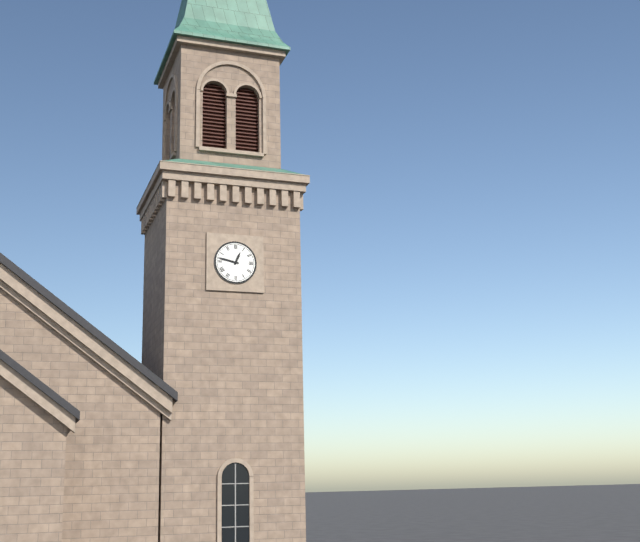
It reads 12 h 47 min
